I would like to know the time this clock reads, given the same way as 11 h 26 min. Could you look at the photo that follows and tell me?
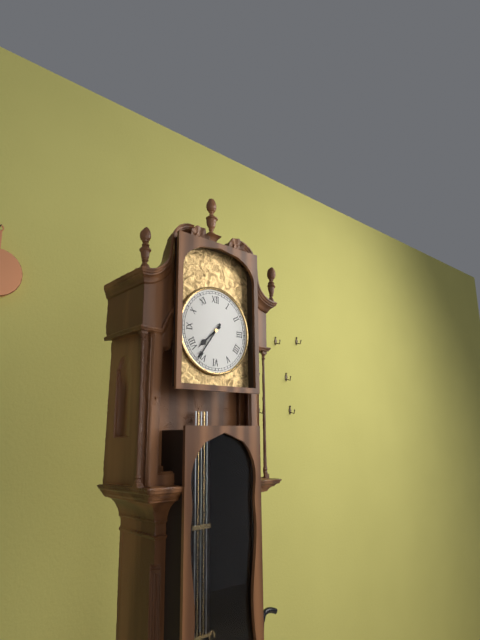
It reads 7 h 36 min
